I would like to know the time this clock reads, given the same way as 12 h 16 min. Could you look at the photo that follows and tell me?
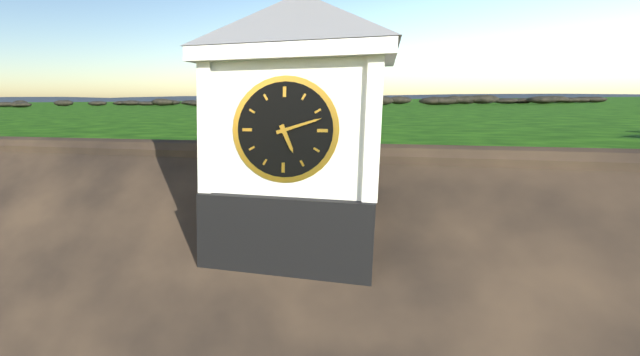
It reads 5 h 12 min
